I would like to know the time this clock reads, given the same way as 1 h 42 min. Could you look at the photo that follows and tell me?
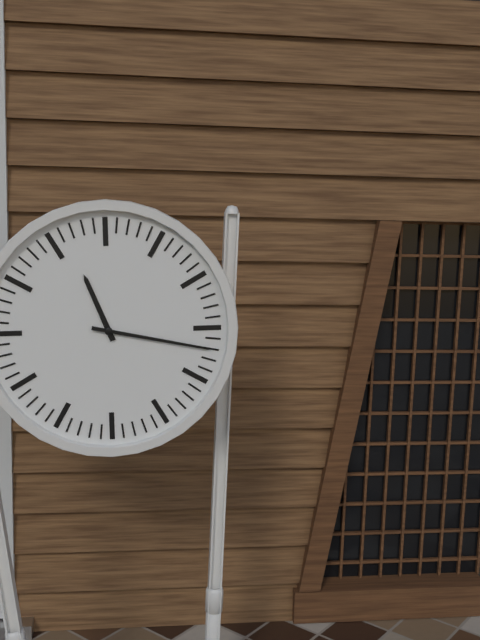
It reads 11 h 17 min
